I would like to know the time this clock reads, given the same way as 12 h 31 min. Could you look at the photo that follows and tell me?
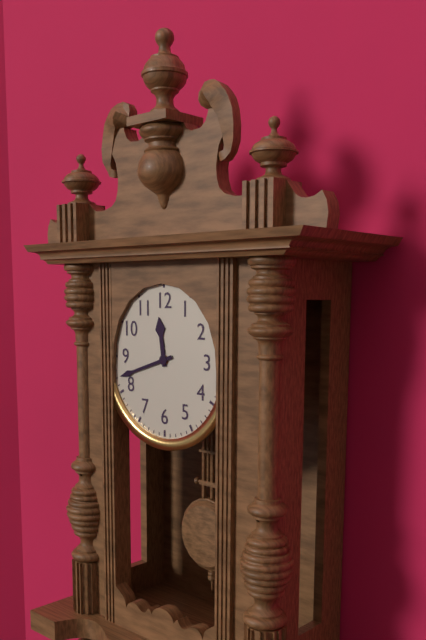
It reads 11 h 42 min
